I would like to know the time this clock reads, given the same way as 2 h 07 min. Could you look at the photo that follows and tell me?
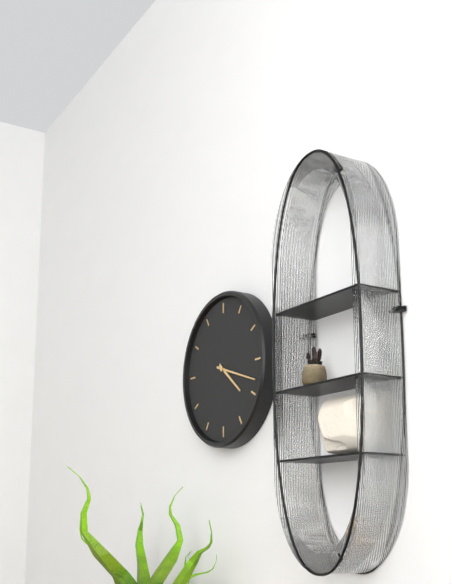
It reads 4 h 18 min
